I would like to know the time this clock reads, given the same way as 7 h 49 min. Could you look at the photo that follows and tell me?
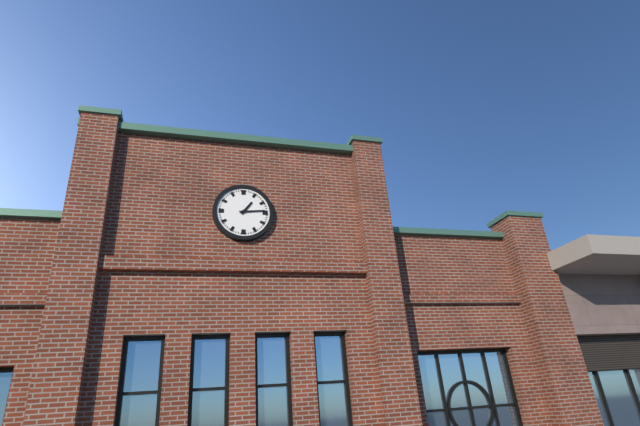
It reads 1 h 14 min
